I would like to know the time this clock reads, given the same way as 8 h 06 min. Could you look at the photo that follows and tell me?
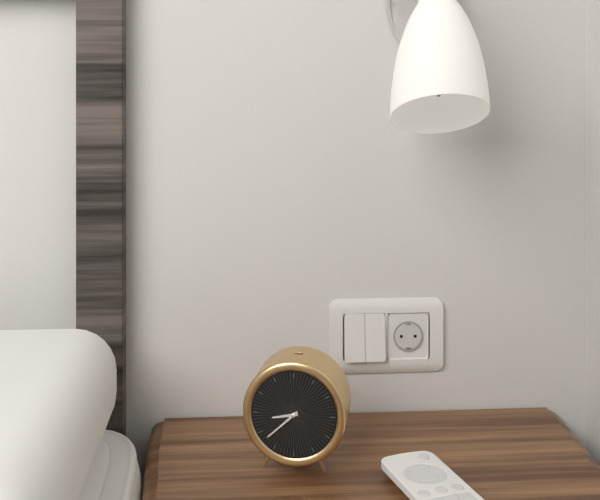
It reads 8 h 38 min
